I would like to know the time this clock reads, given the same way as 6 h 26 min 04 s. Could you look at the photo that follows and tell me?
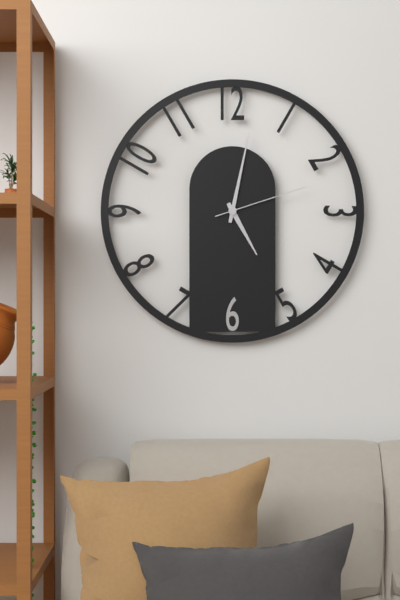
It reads 5 h 02 min 12 s
